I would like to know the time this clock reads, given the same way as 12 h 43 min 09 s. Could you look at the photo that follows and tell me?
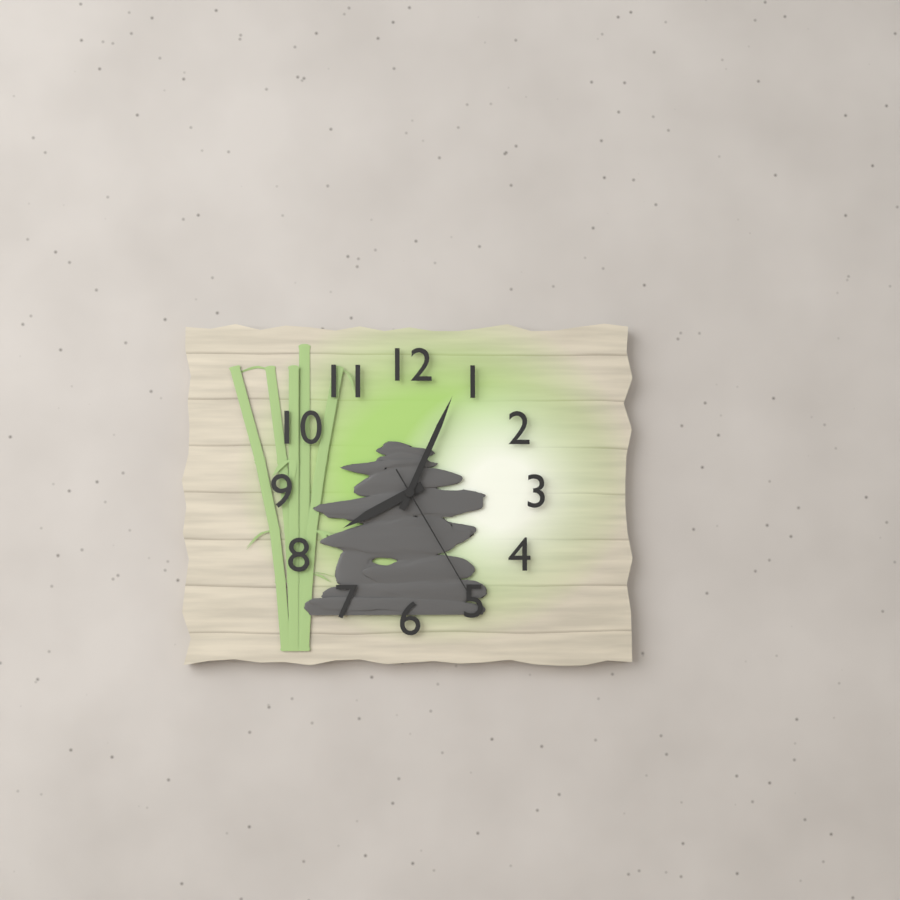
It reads 8 h 04 min 25 s
